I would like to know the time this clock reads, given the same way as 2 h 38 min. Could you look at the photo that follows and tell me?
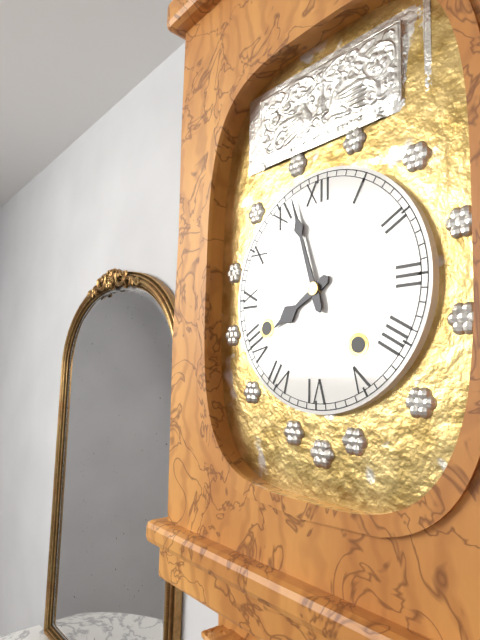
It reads 7 h 57 min
